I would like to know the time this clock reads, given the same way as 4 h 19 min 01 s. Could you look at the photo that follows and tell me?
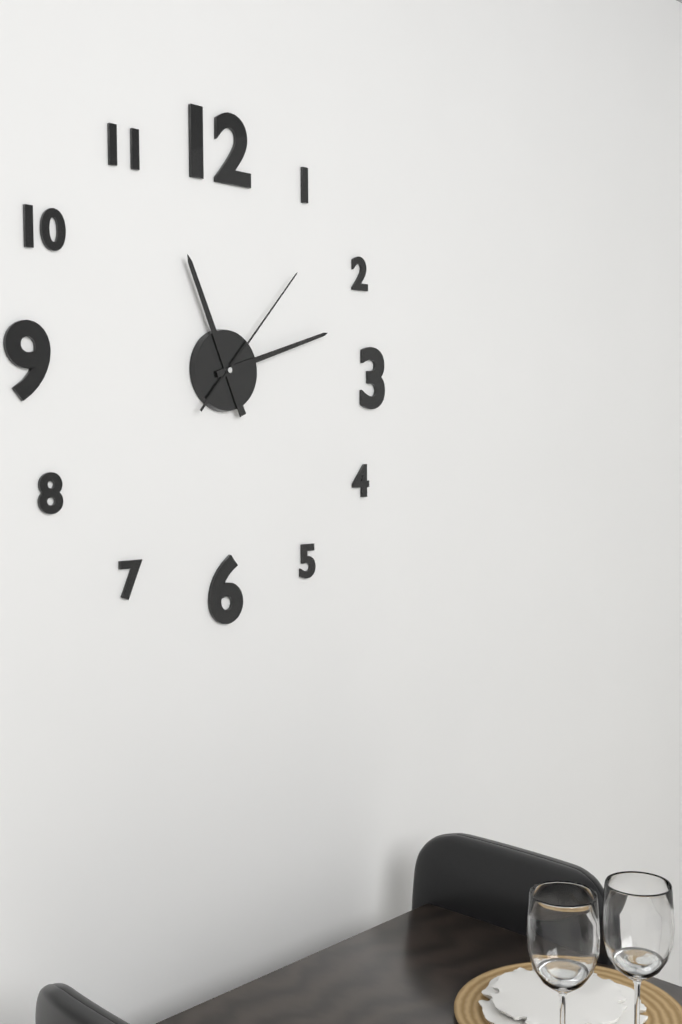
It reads 11 h 12 min 07 s
